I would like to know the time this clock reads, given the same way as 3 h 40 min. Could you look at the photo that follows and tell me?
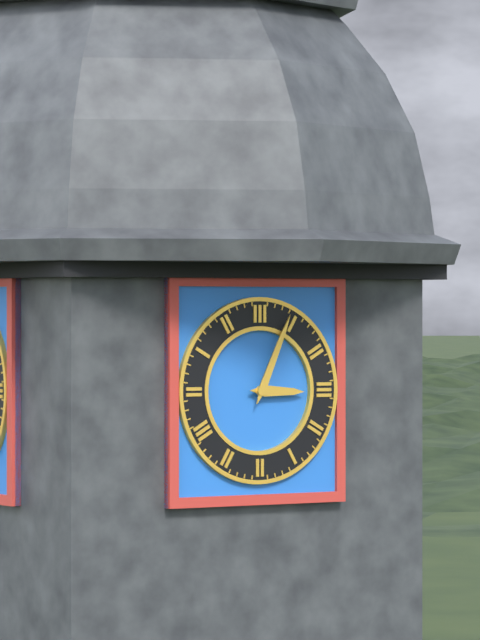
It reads 3 h 04 min
